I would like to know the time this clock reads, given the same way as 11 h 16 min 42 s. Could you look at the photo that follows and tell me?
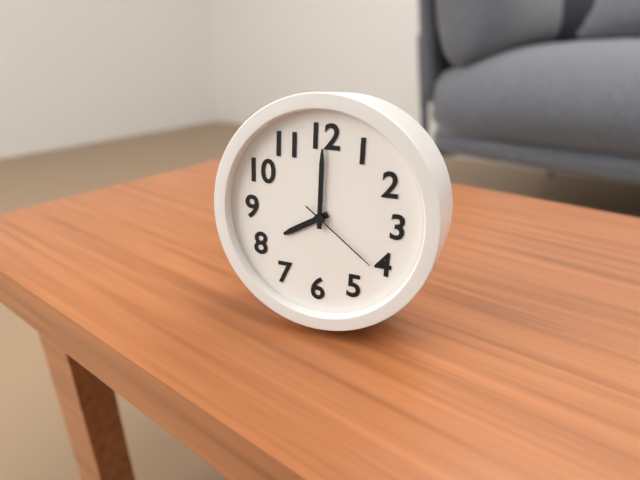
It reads 8 h 00 min 21 s
